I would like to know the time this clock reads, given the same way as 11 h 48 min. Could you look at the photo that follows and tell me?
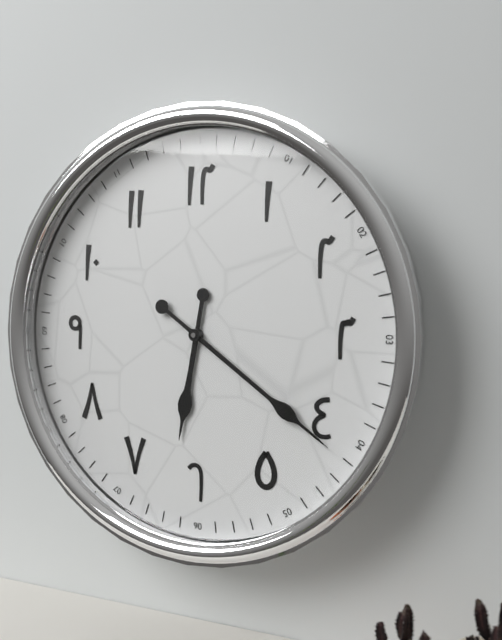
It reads 6 h 21 min
